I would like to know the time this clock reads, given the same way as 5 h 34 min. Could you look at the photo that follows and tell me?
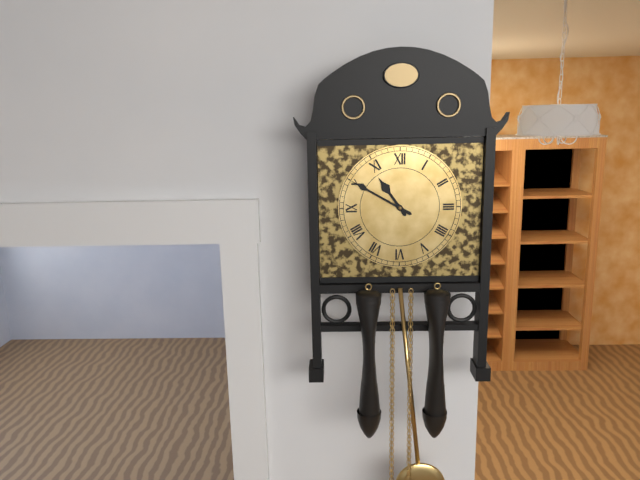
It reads 10 h 50 min
